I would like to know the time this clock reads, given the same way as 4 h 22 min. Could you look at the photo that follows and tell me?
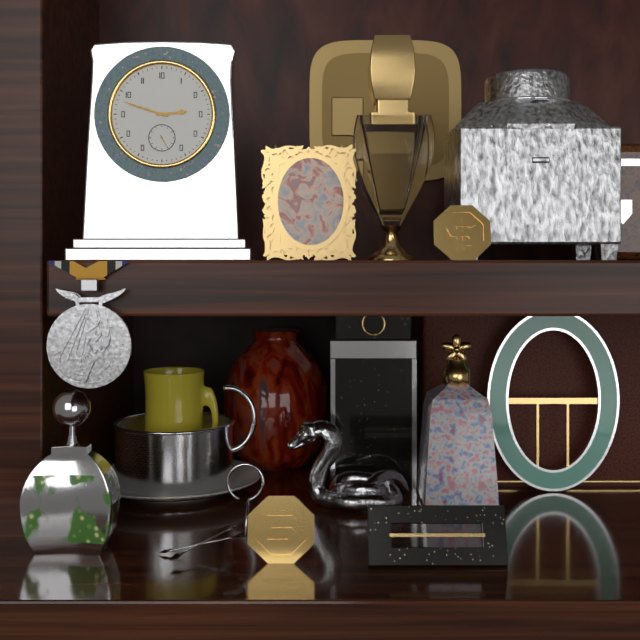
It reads 2 h 48 min
